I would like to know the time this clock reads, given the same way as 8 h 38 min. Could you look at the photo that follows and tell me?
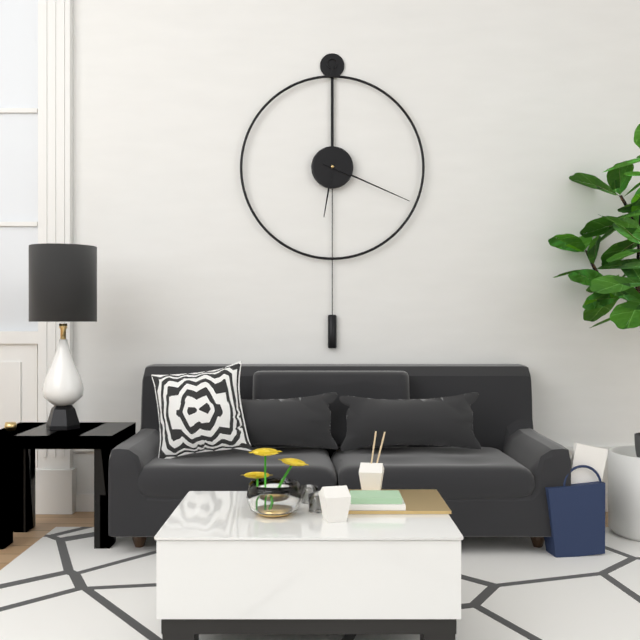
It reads 6 h 19 min
